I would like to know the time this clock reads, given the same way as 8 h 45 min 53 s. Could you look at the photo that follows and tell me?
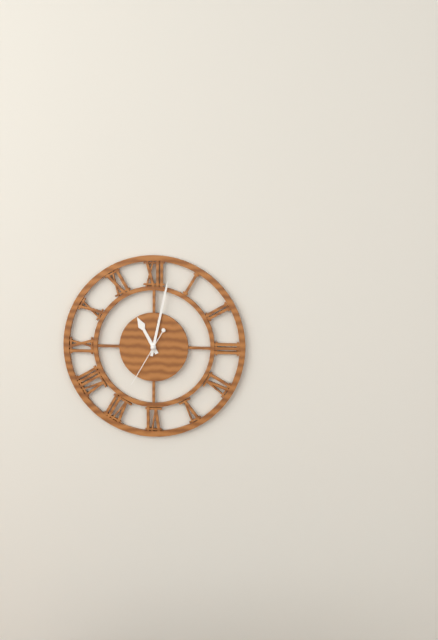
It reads 11 h 02 min 35 s
